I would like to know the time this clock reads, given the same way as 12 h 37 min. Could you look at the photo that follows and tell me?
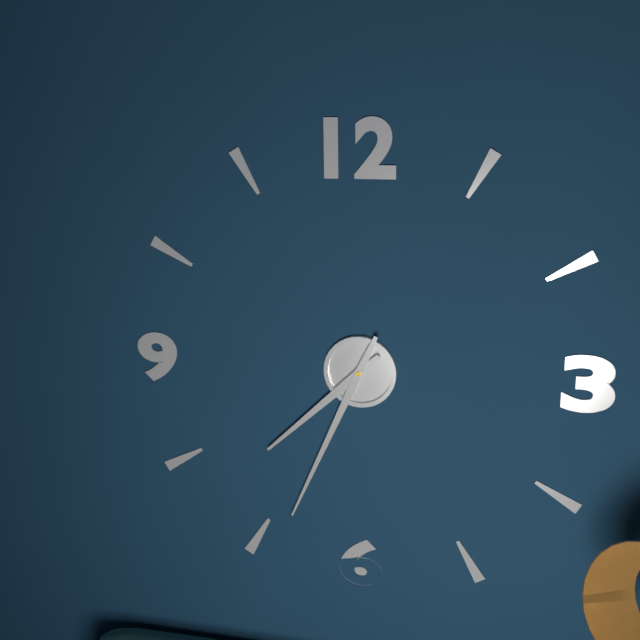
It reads 7 h 34 min
